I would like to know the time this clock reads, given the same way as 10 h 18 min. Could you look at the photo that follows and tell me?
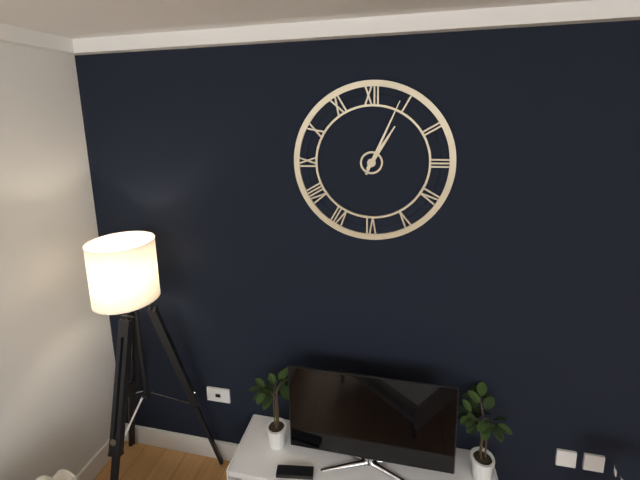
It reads 1 h 04 min
